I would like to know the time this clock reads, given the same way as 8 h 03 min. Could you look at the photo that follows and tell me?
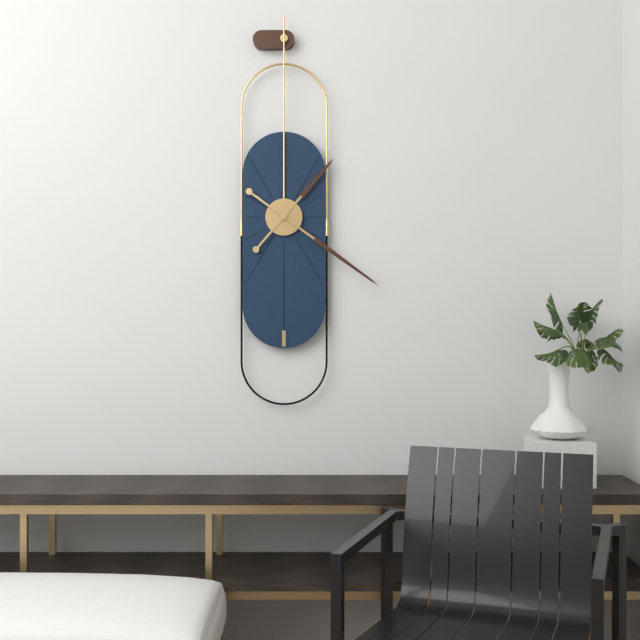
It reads 1 h 21 min
